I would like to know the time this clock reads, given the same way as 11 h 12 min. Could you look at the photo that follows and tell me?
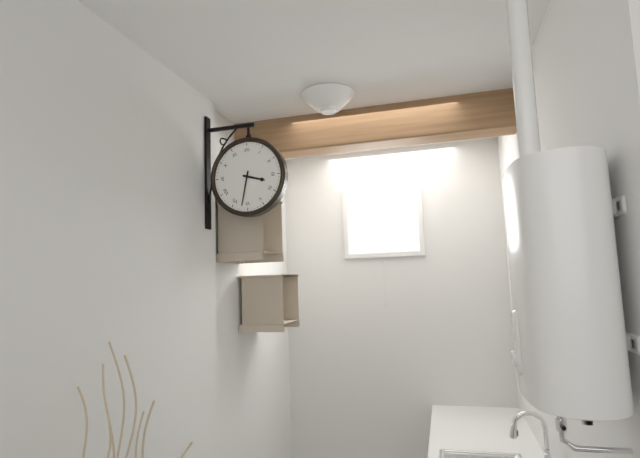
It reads 3 h 32 min
